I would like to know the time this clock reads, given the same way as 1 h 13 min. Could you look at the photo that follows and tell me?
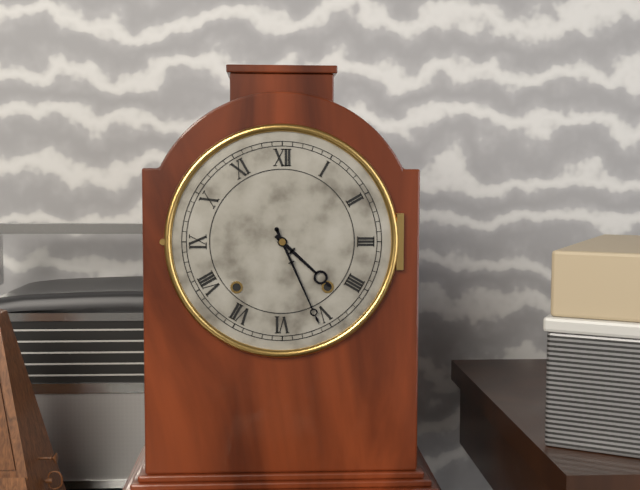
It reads 4 h 26 min
